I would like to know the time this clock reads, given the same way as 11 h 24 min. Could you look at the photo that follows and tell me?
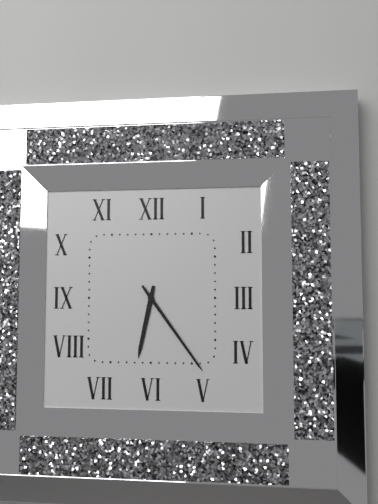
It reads 6 h 24 min
